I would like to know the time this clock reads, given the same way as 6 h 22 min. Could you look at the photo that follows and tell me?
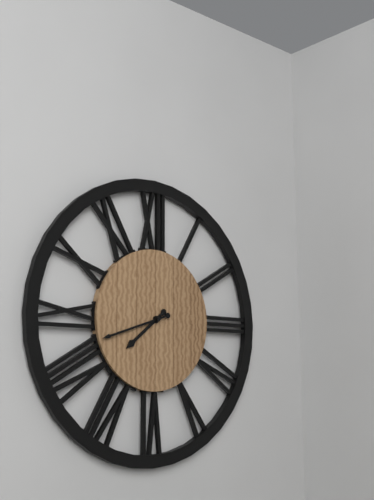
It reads 7 h 42 min
